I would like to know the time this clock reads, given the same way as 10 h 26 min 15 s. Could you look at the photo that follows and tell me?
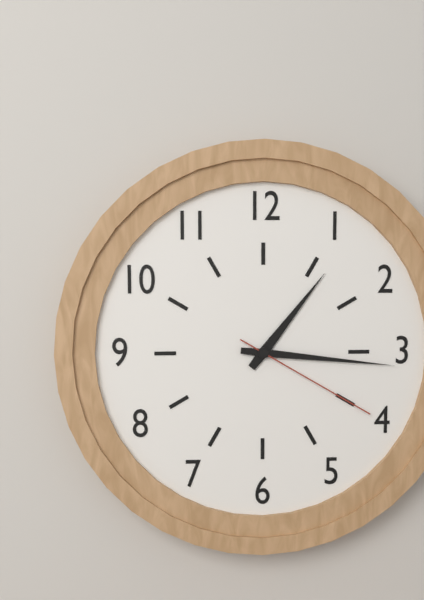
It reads 1 h 16 min 20 s
